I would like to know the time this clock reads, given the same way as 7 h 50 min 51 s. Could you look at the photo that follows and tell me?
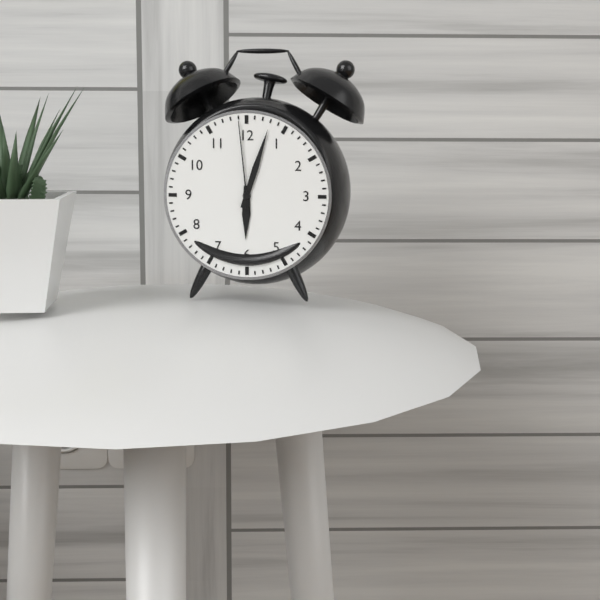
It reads 6 h 03 min 59 s
